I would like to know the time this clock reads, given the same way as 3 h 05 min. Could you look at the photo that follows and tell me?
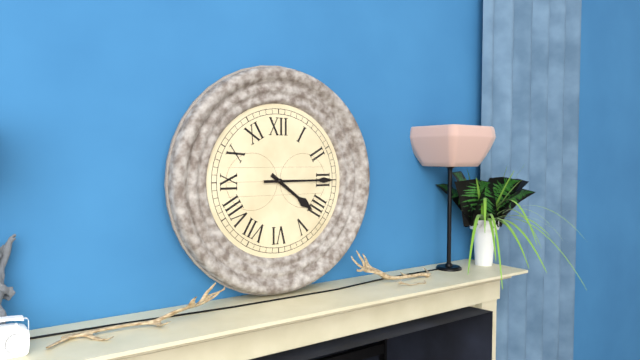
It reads 4 h 15 min
